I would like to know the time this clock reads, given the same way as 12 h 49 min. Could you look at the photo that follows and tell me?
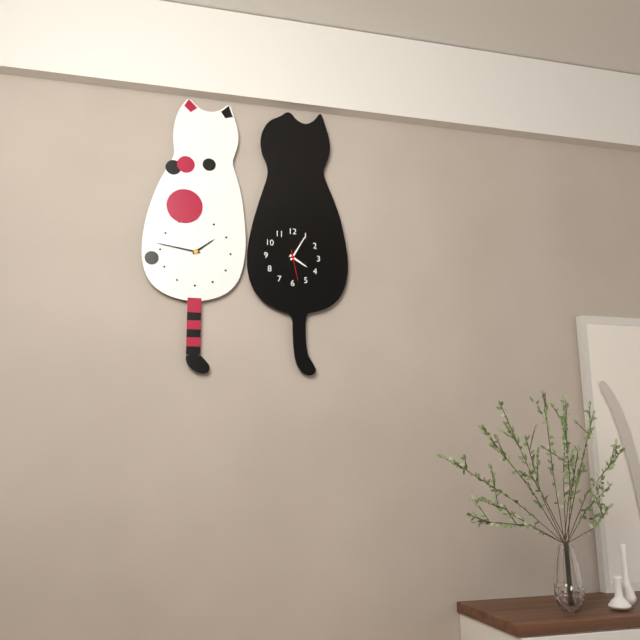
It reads 4 h 05 min
